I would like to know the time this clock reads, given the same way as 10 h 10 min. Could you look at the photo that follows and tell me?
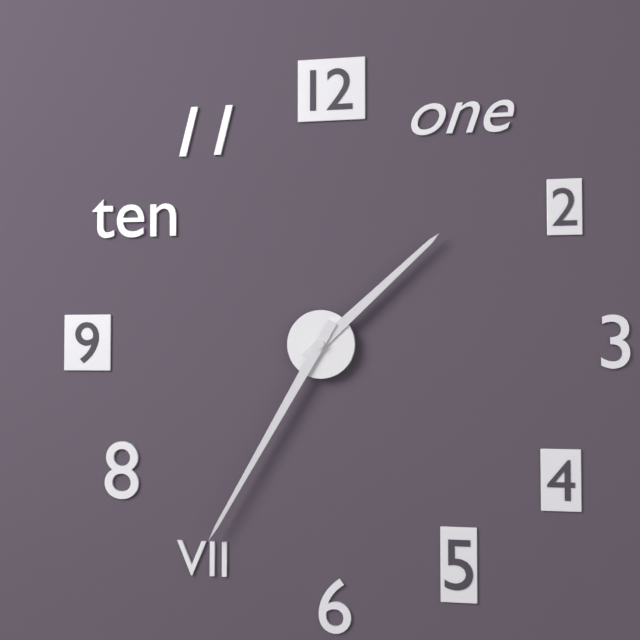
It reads 1 h 35 min
